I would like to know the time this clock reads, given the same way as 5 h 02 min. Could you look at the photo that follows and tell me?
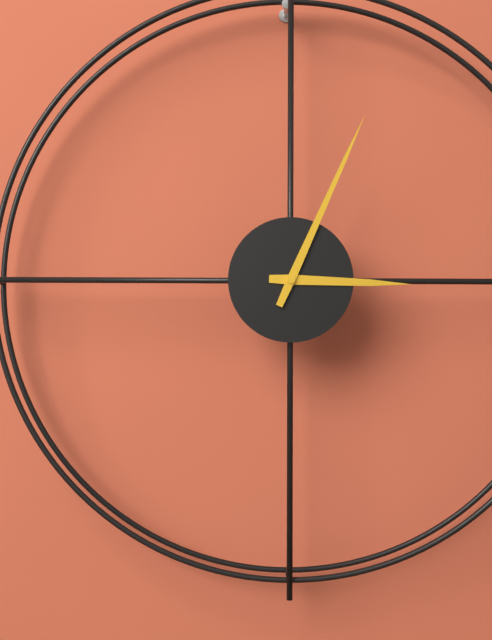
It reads 3 h 04 min
